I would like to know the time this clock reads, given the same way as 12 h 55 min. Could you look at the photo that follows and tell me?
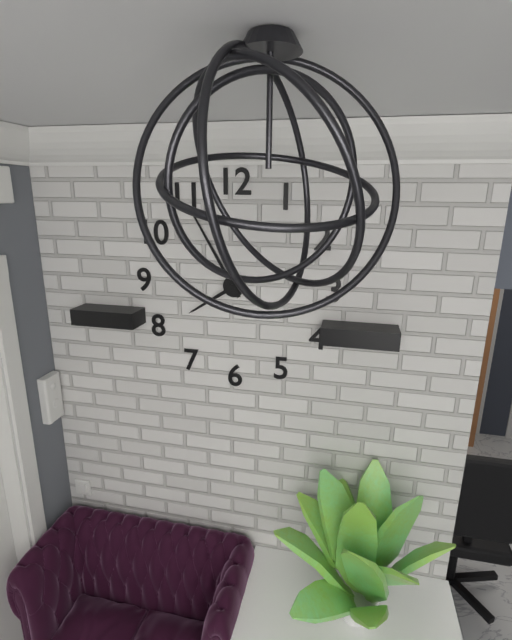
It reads 7 h 55 min
